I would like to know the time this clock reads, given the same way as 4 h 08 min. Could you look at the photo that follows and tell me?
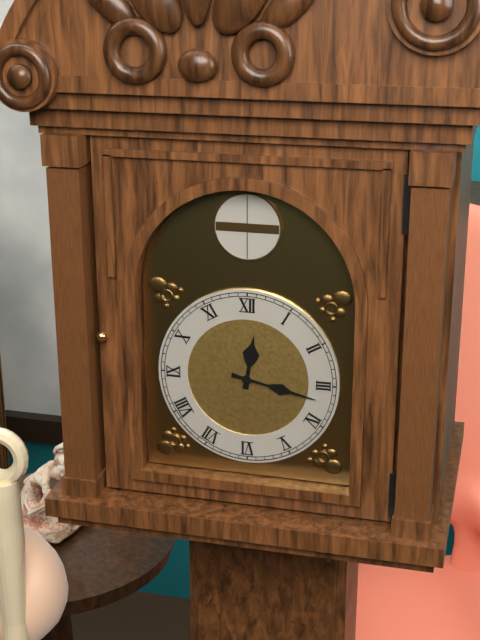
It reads 12 h 17 min
